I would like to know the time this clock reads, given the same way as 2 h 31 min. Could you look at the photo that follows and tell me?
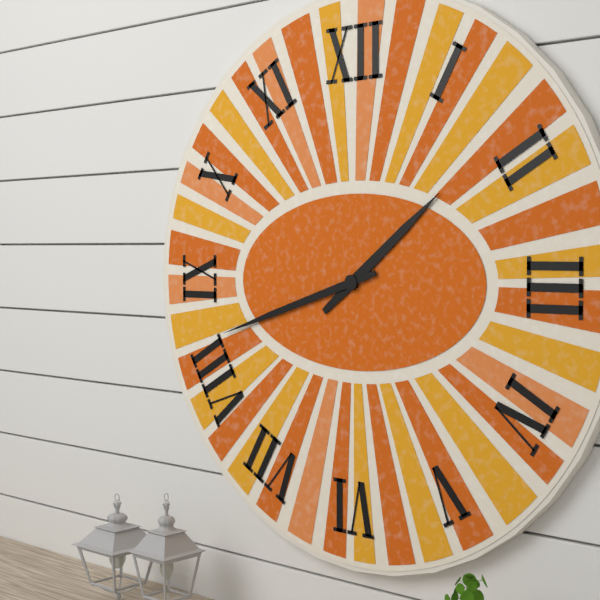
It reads 1 h 42 min
